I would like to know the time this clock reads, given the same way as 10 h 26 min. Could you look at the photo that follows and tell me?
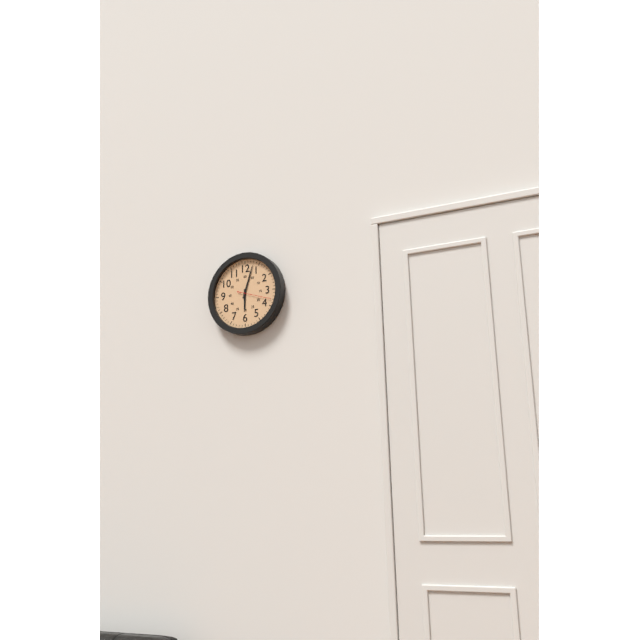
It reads 6 h 03 min
